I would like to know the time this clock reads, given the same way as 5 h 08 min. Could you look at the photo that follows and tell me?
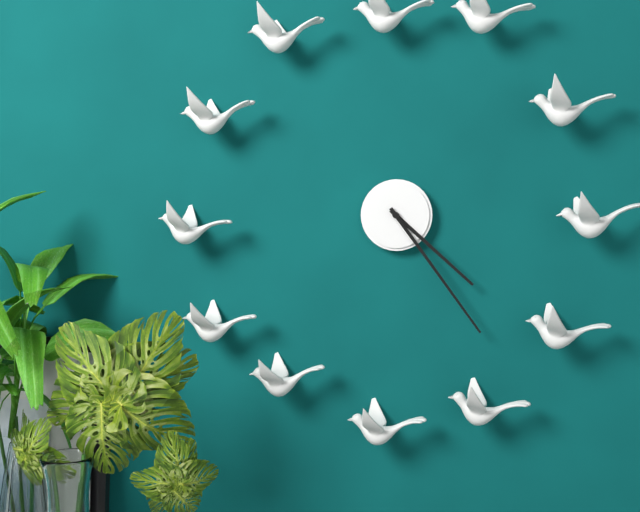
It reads 4 h 24 min
